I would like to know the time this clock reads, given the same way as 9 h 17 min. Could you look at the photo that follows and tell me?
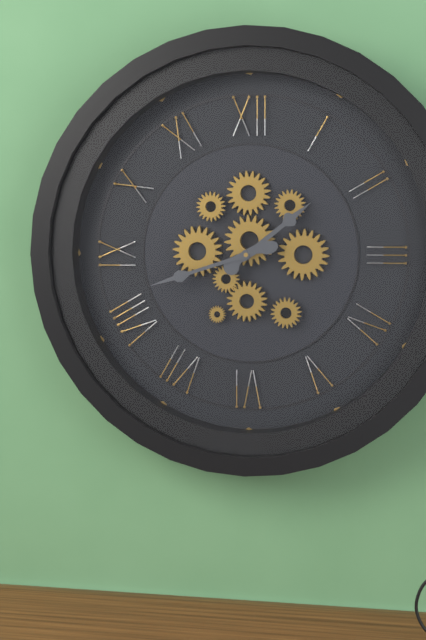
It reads 1 h 42 min
